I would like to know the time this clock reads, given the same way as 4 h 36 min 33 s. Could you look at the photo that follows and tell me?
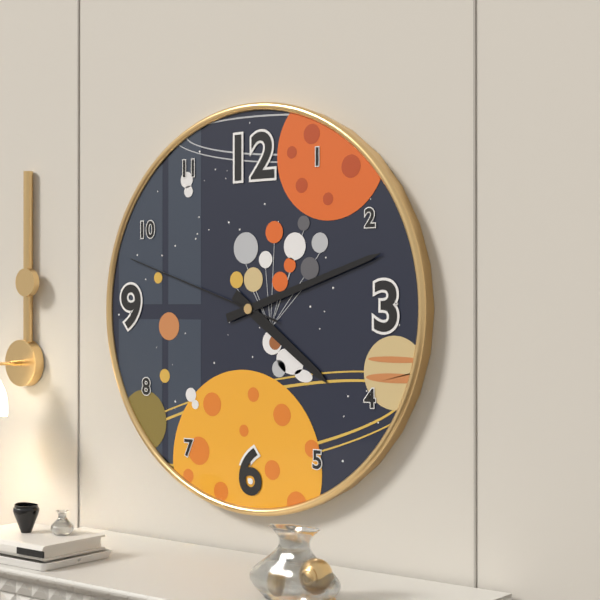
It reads 4 h 12 min 48 s
